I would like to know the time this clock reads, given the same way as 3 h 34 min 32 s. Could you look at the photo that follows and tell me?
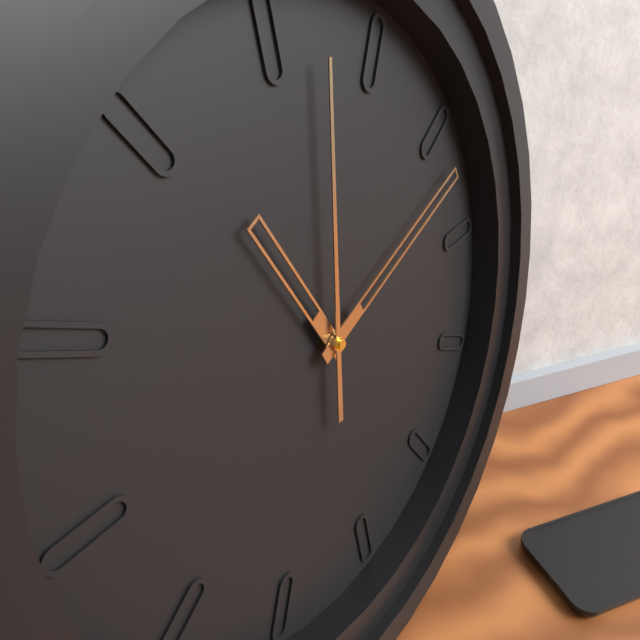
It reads 11 h 12 min 02 s
